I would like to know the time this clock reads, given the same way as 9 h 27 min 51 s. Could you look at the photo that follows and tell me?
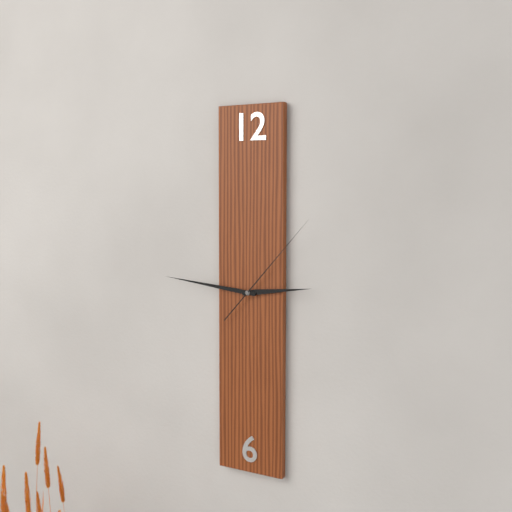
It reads 2 h 46 min 07 s
